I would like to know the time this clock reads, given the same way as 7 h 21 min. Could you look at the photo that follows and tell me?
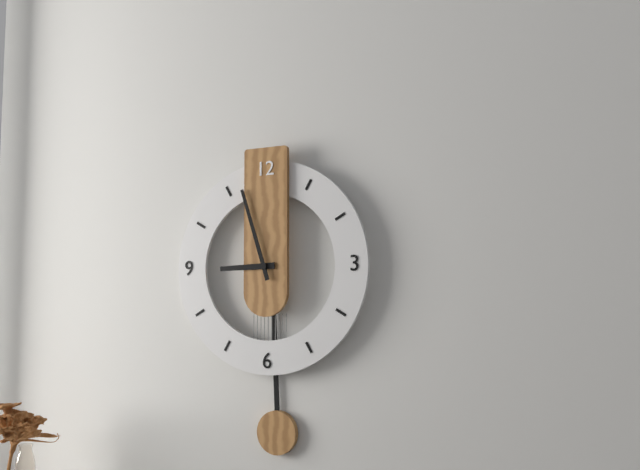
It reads 8 h 57 min
